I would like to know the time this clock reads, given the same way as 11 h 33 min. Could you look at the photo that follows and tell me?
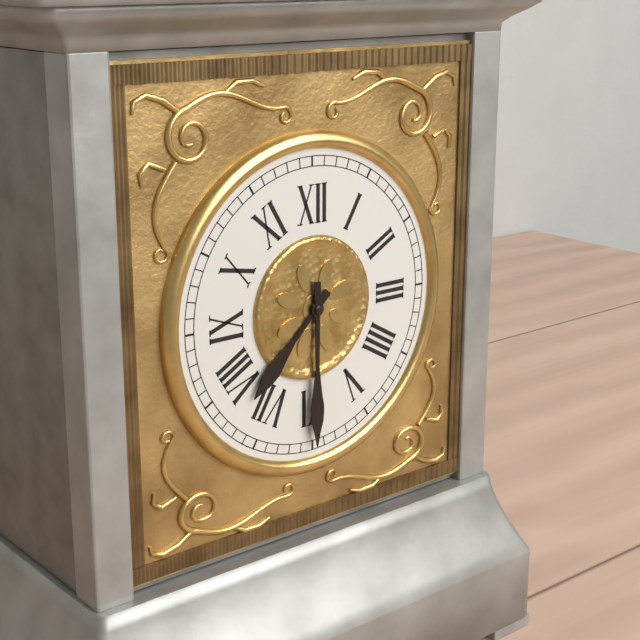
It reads 7 h 30 min
